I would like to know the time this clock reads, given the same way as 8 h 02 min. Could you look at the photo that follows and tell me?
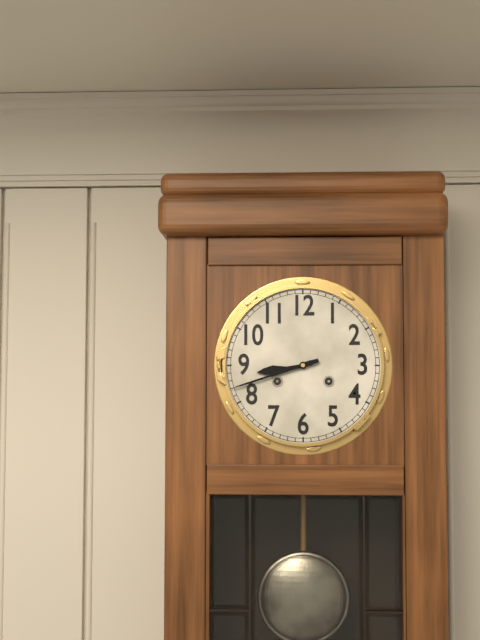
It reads 8 h 42 min
